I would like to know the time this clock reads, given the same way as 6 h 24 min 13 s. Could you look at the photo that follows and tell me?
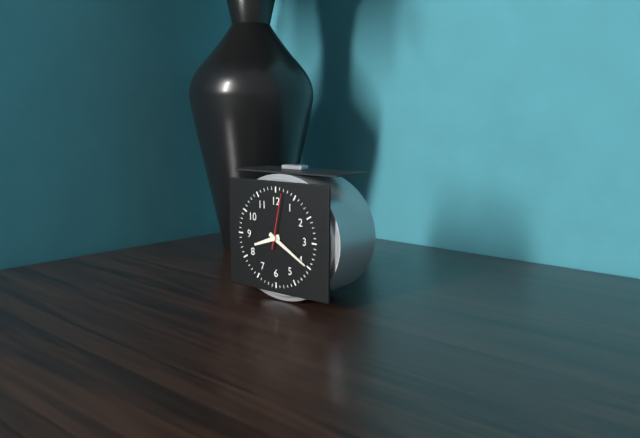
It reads 8 h 20 min 02 s
